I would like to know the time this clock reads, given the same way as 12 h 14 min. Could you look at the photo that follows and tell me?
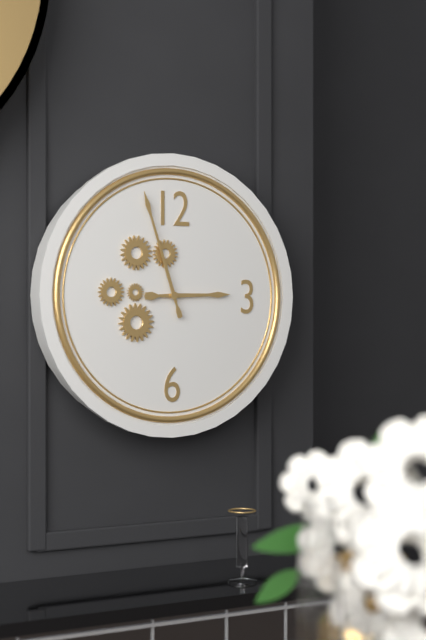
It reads 2 h 57 min
